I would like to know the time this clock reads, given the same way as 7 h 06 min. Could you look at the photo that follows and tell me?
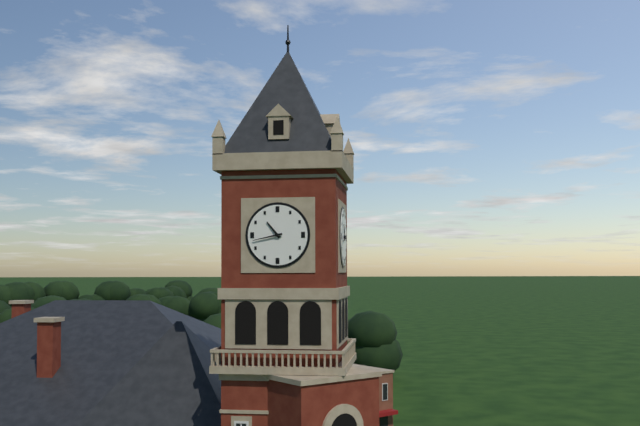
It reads 10 h 43 min
